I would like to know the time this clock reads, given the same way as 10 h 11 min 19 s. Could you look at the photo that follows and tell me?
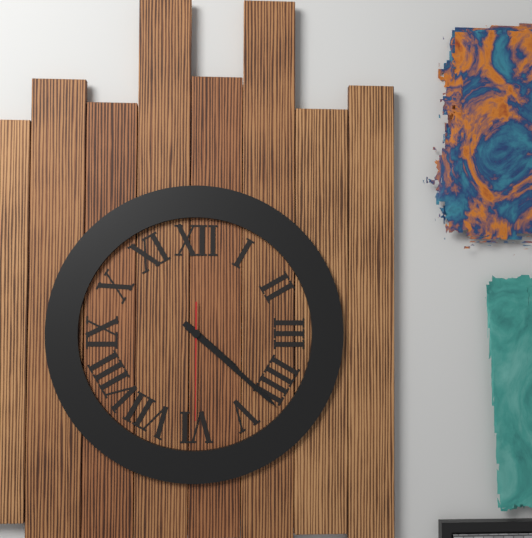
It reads 4 h 22 min 30 s
